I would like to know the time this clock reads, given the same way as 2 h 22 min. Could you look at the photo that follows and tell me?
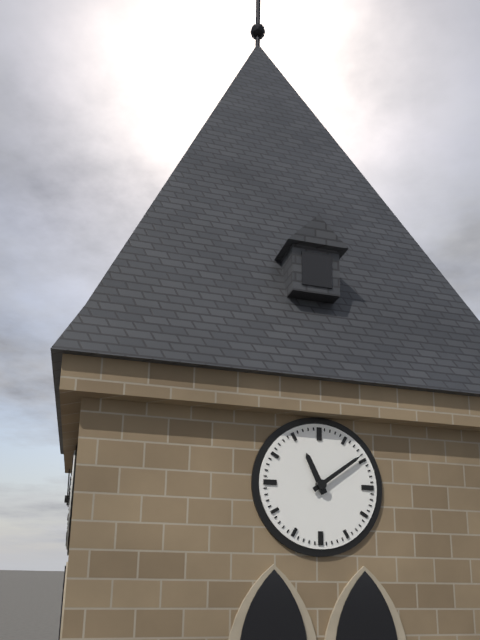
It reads 11 h 09 min
